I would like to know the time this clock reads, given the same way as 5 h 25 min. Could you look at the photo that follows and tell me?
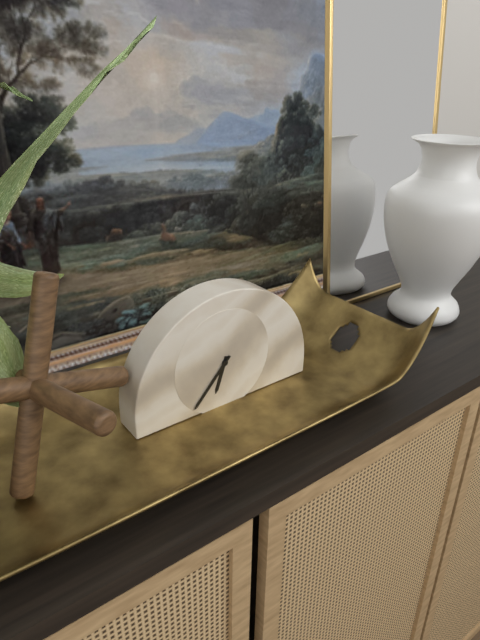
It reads 6 h 37 min
